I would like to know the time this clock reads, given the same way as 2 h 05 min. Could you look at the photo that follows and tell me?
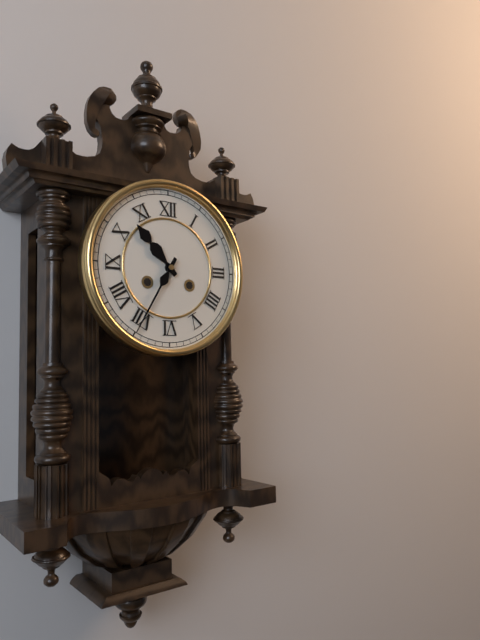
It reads 10 h 35 min
